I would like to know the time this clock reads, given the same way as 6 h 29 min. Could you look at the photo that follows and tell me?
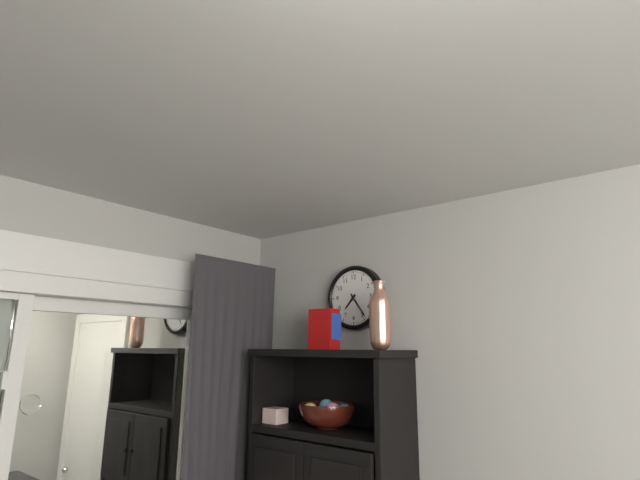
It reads 7 h 24 min
